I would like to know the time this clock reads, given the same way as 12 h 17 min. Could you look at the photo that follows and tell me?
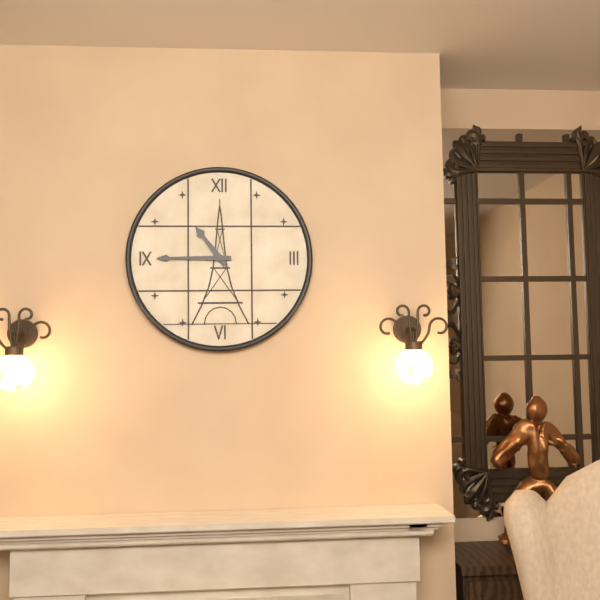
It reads 10 h 45 min
